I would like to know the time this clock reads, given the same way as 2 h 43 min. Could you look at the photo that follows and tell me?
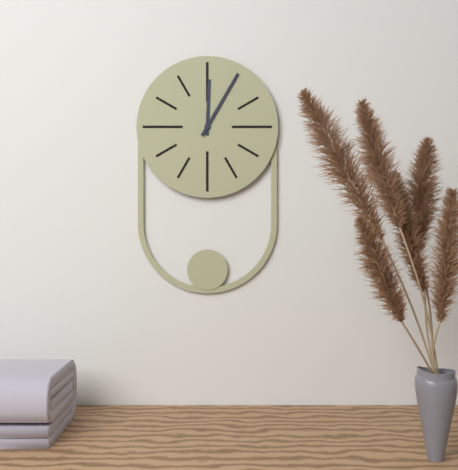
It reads 12 h 05 min
